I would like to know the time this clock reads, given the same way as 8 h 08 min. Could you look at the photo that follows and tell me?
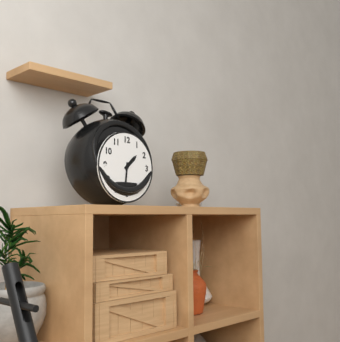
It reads 1 h 31 min
